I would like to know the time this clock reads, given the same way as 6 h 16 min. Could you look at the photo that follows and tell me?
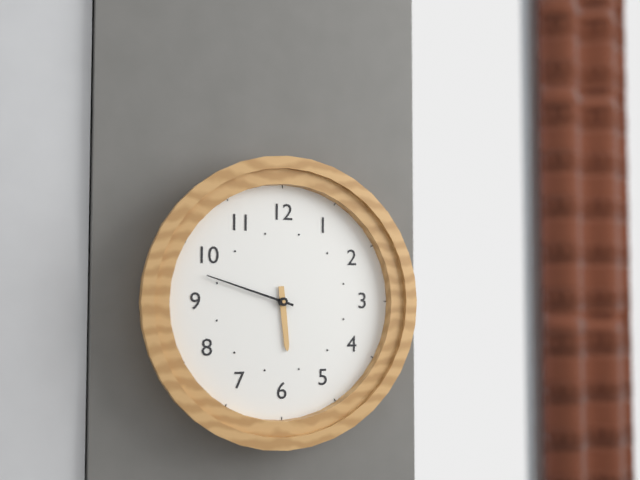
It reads 5 h 48 min
